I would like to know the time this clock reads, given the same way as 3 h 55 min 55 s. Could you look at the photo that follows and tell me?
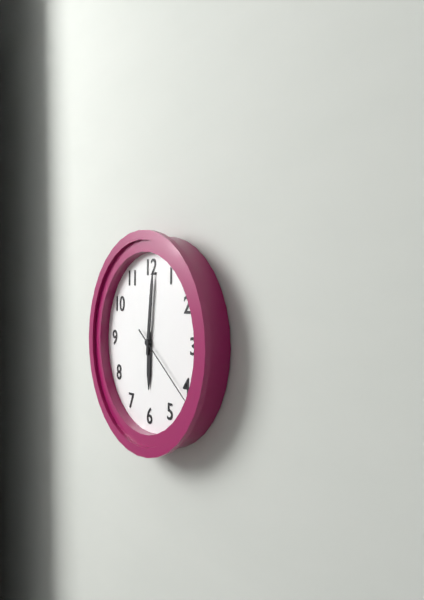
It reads 6 h 01 min 21 s
